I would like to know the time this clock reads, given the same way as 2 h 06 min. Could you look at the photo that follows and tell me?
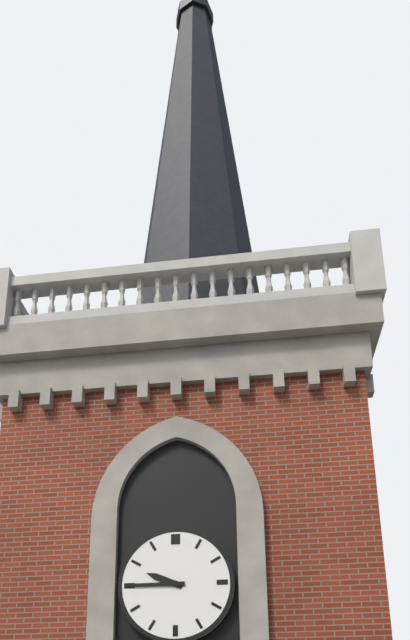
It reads 9 h 45 min
